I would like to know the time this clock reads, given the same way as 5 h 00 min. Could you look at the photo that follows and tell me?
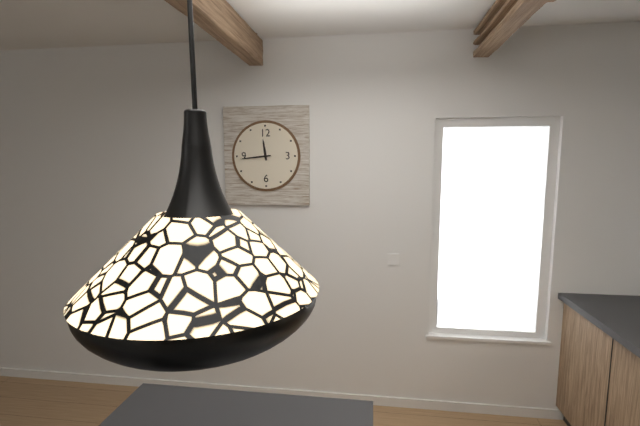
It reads 11 h 44 min
